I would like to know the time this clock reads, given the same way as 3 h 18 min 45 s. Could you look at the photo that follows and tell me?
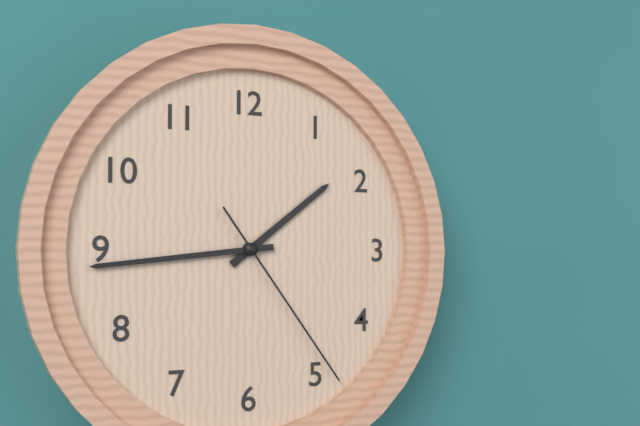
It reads 1 h 44 min 24 s
